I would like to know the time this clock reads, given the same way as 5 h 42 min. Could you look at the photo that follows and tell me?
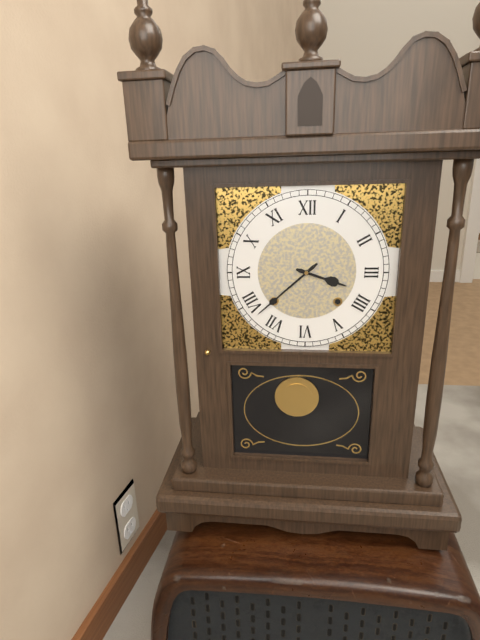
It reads 3 h 38 min
